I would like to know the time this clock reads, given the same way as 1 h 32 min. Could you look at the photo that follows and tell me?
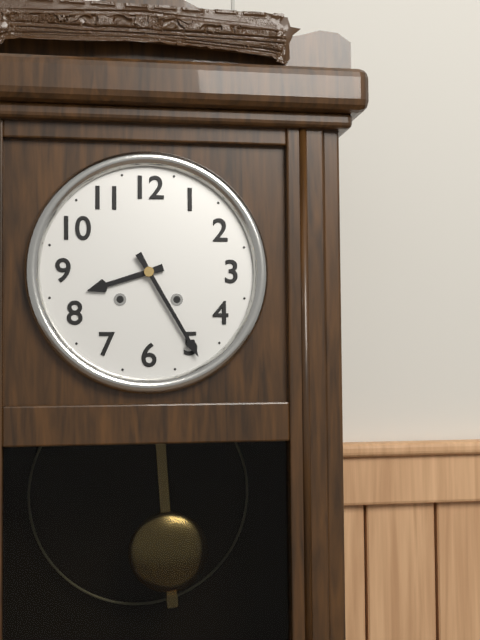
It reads 8 h 25 min
